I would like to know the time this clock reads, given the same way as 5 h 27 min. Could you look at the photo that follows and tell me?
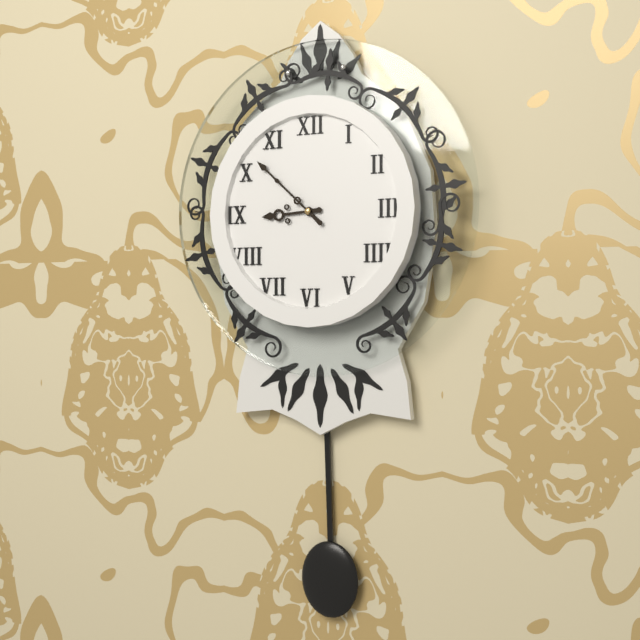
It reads 8 h 52 min
